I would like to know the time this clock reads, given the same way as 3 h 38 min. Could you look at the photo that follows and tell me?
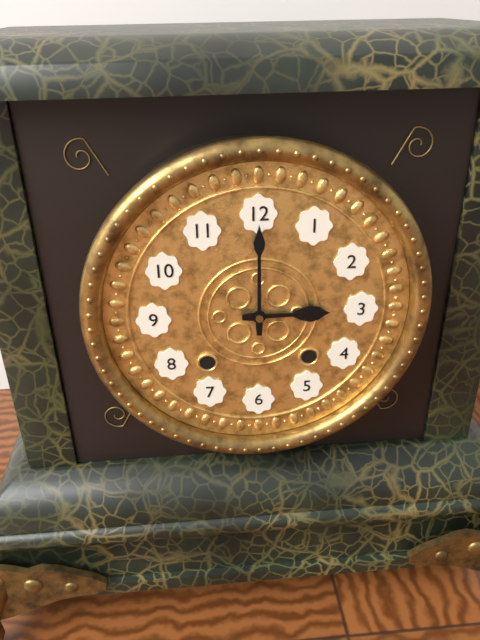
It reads 3 h 00 min
